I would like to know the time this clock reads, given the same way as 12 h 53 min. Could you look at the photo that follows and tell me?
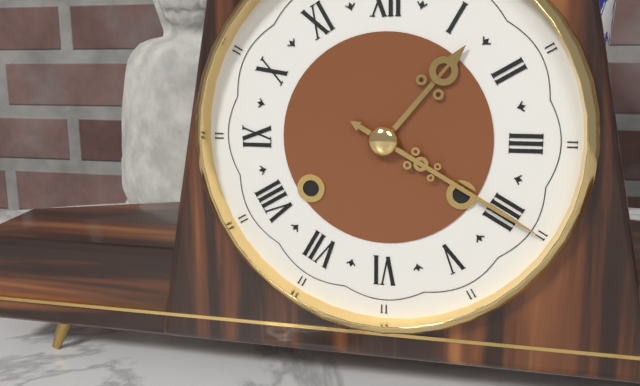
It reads 1 h 20 min
